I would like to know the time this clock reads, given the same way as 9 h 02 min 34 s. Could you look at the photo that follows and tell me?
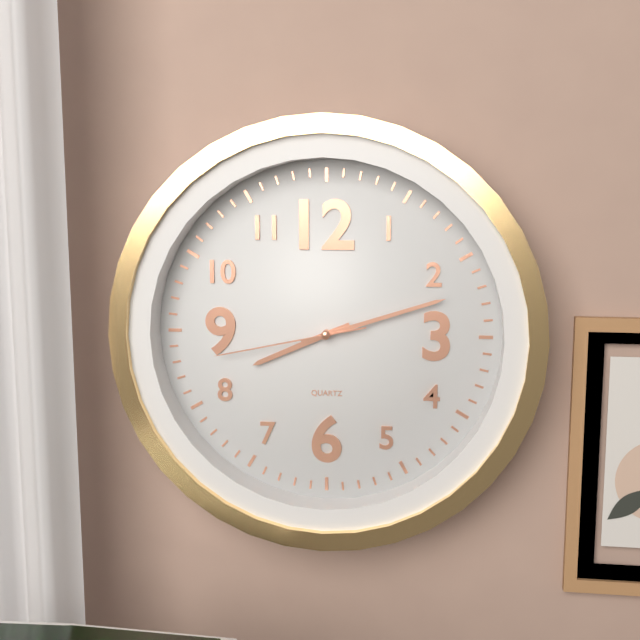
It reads 8 h 12 min 43 s
